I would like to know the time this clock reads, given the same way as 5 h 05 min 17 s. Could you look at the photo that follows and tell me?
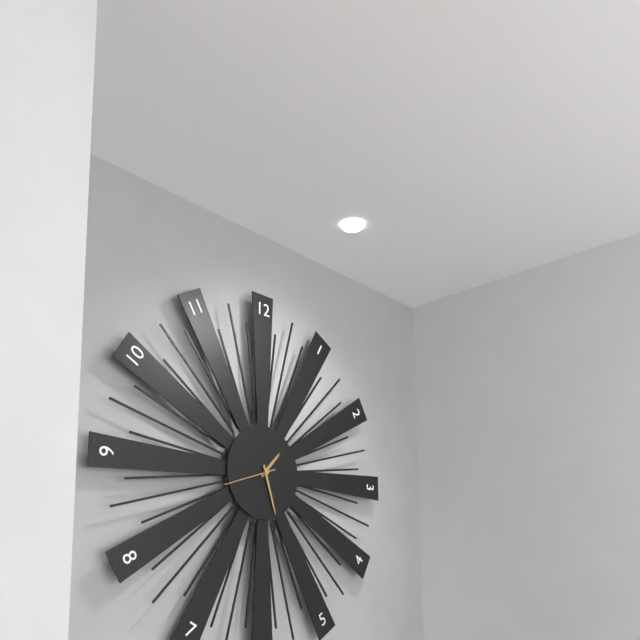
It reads 1 h 27 min 42 s
